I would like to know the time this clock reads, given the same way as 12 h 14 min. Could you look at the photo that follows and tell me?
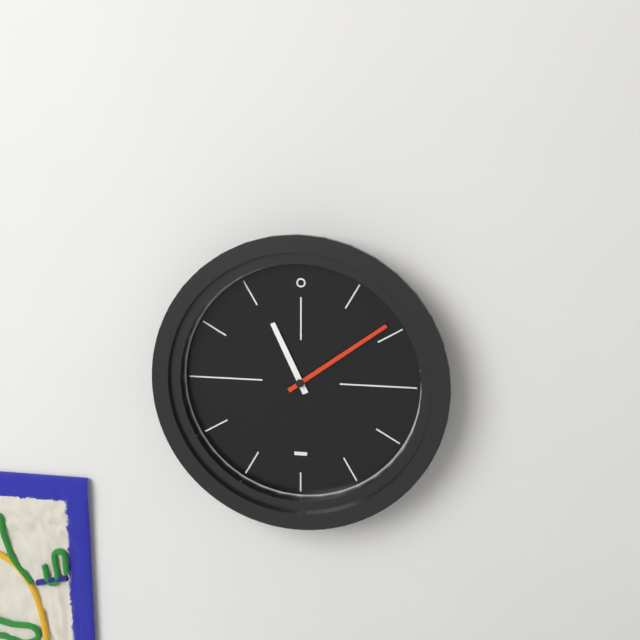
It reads 11 h 09 min
